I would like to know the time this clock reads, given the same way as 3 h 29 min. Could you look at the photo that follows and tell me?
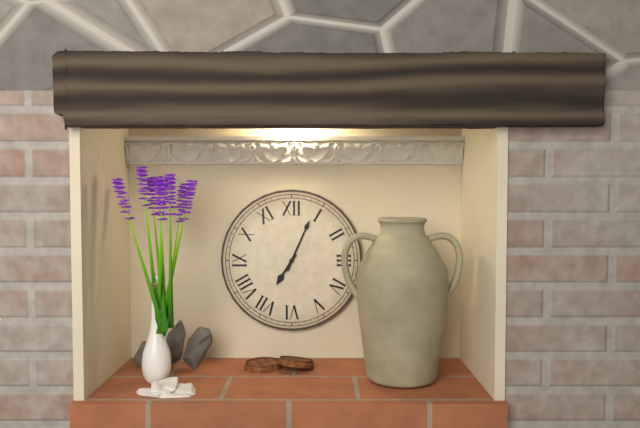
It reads 7 h 04 min
